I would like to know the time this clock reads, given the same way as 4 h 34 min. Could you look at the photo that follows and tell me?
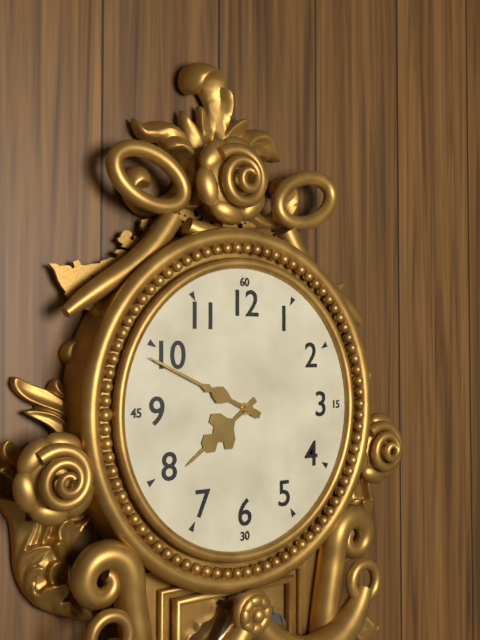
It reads 7 h 49 min
